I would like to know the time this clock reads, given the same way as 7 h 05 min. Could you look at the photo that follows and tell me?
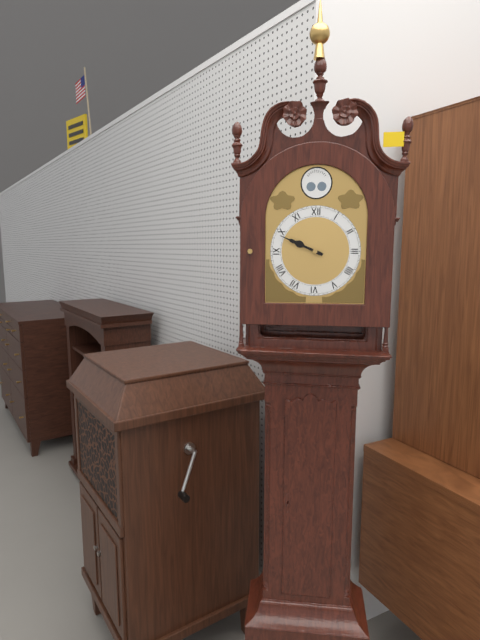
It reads 9 h 49 min
